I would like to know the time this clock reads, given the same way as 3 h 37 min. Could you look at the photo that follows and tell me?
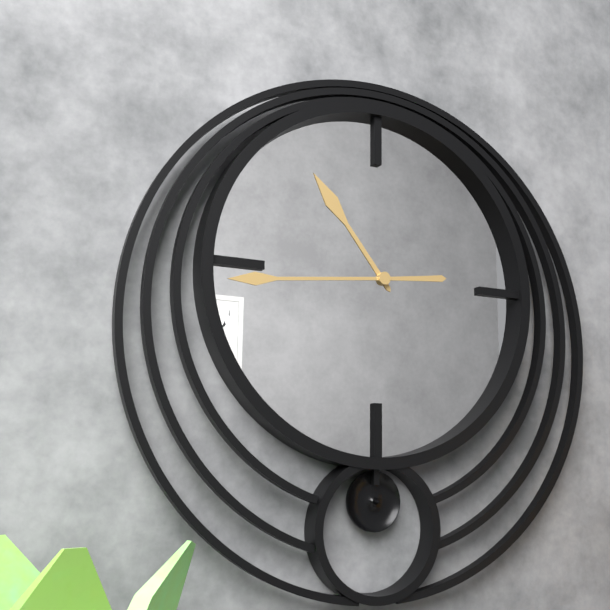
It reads 10 h 44 min
